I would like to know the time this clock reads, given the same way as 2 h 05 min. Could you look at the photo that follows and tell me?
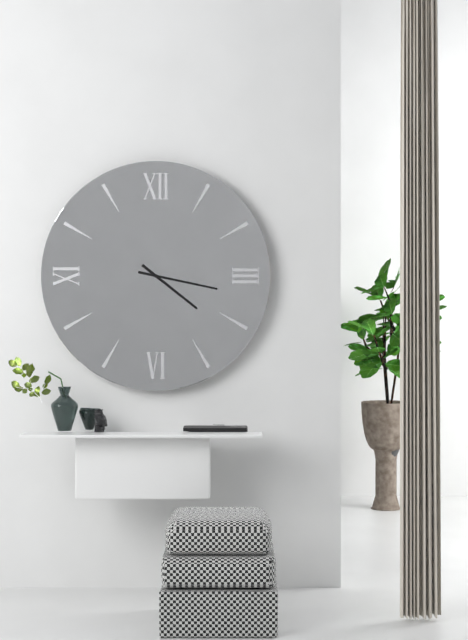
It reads 4 h 17 min
